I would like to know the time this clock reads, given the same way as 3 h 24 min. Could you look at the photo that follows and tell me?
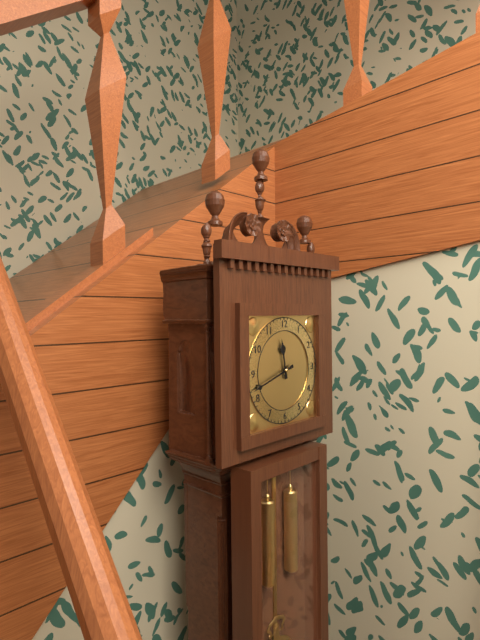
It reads 11 h 42 min
